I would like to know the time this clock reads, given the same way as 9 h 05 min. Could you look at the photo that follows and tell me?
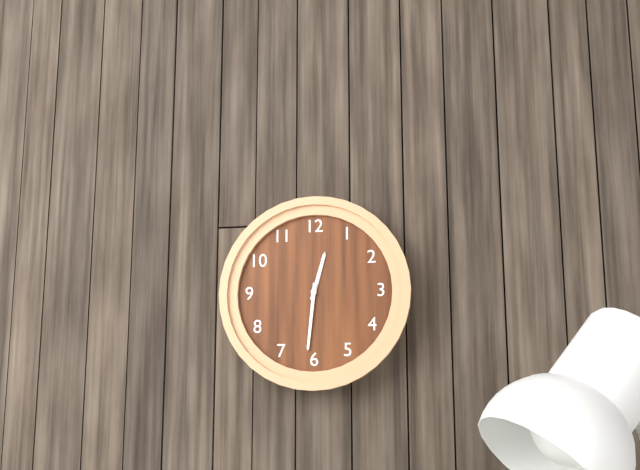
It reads 12 h 31 min
